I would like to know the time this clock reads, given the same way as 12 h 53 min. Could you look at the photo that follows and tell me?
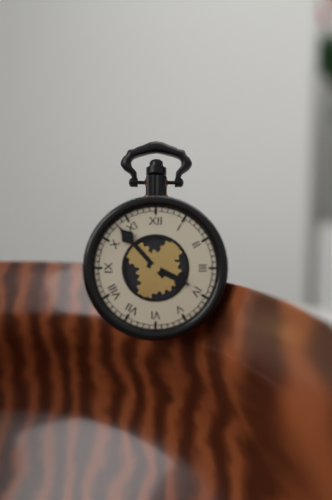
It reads 3 h 53 min
